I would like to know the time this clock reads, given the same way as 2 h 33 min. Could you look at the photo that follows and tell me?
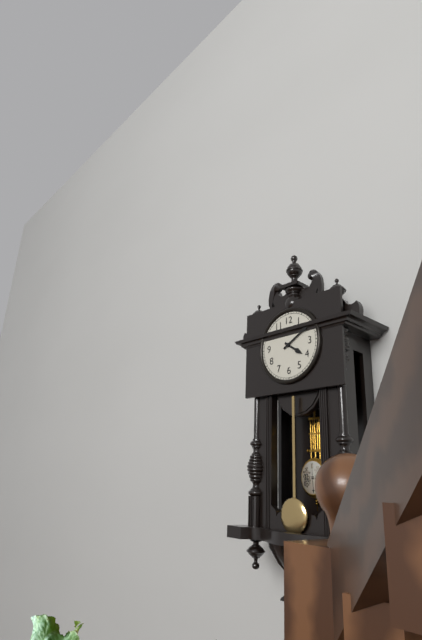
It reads 4 h 10 min
